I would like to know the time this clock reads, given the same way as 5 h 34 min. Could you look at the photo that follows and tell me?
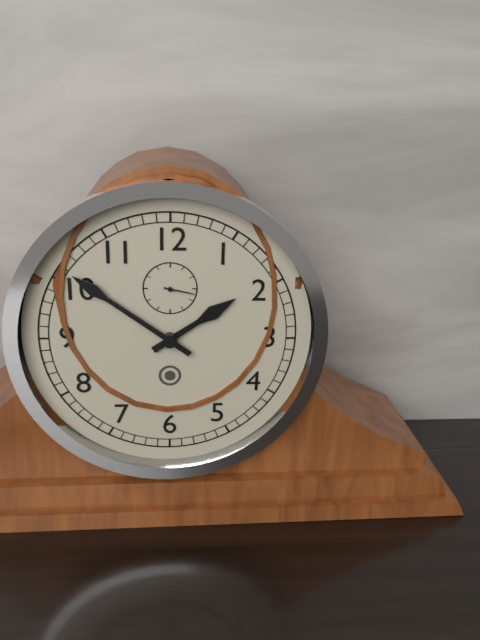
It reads 1 h 51 min
